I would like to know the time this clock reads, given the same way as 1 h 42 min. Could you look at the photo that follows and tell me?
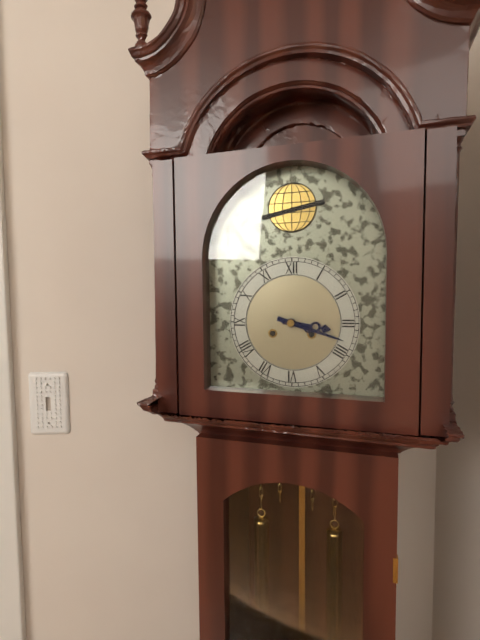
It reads 3 h 18 min
